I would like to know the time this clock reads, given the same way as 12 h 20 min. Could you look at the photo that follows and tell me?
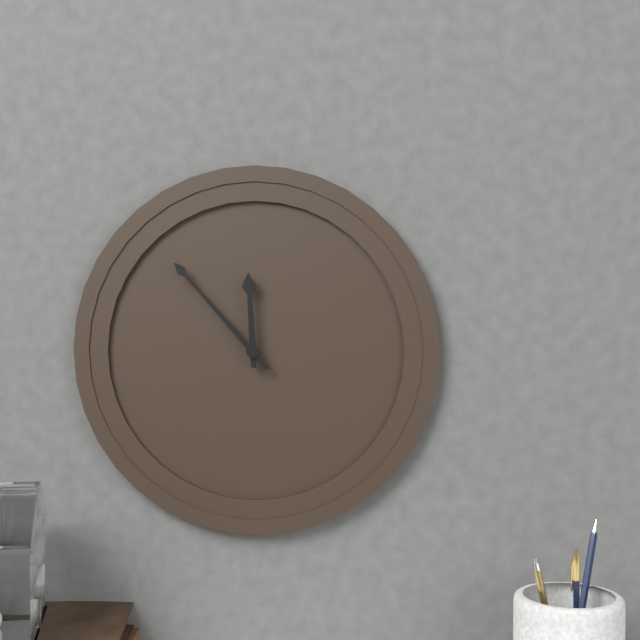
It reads 11 h 53 min
